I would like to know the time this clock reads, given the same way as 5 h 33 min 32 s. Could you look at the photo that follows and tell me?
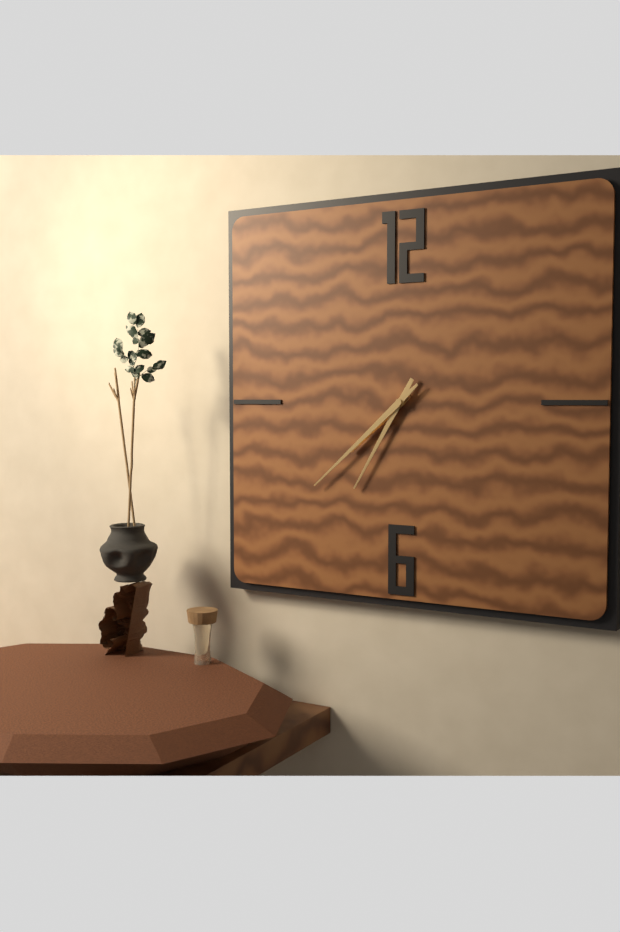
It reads 7 h 35 min 38 s
